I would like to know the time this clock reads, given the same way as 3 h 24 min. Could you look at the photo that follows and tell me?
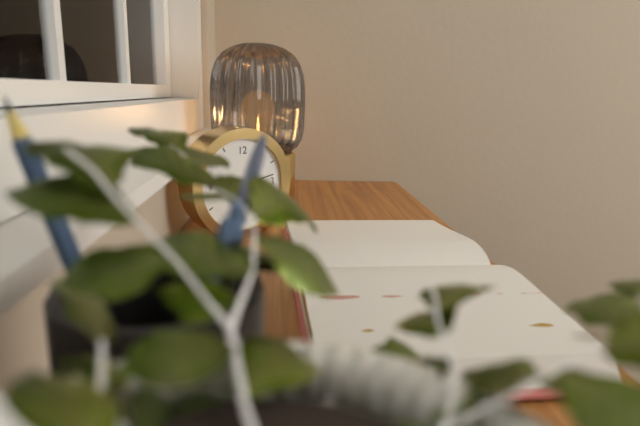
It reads 9 h 13 min
